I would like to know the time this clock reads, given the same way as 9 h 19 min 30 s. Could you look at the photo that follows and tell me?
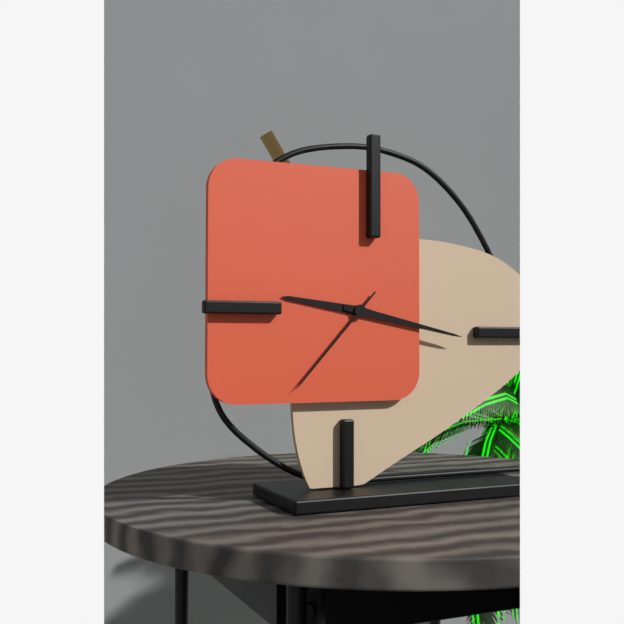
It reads 9 h 17 min 37 s
